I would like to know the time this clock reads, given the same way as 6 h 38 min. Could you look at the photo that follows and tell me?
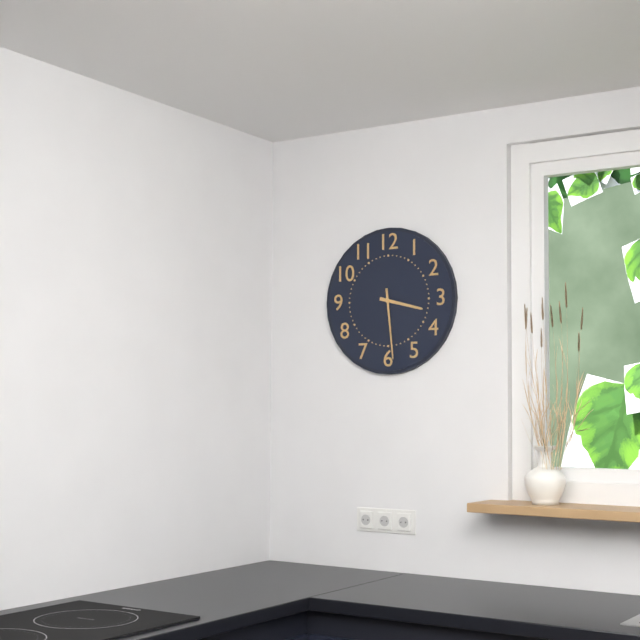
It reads 3 h 29 min
